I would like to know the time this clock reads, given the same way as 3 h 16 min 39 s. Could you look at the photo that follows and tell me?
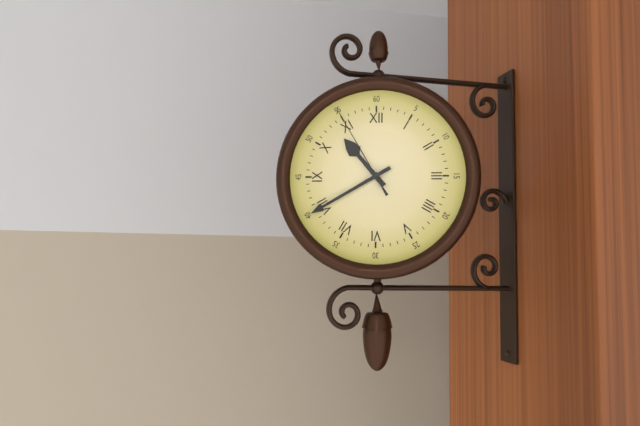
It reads 10 h 40 min 55 s
